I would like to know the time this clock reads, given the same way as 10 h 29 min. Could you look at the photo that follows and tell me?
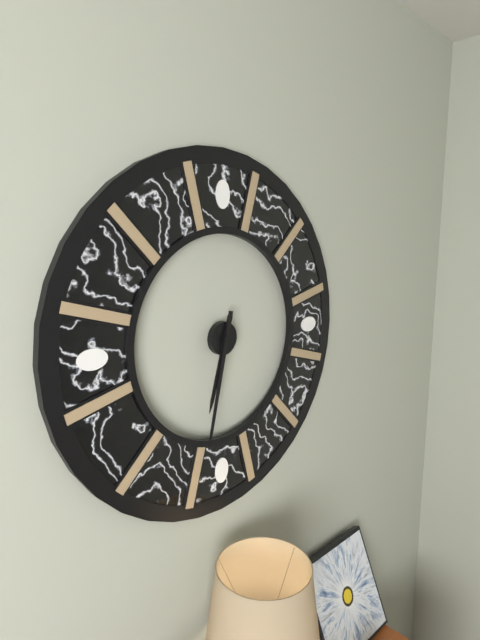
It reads 6 h 32 min
